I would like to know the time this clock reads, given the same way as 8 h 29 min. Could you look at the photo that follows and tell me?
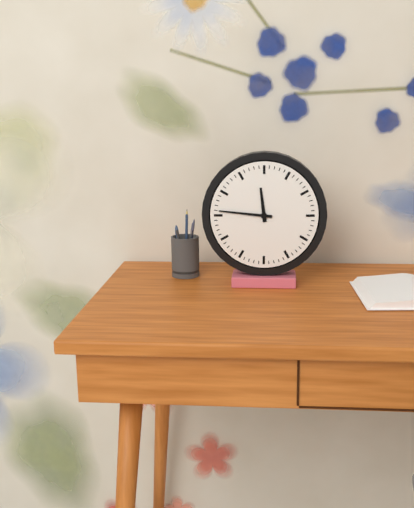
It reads 11 h 46 min
